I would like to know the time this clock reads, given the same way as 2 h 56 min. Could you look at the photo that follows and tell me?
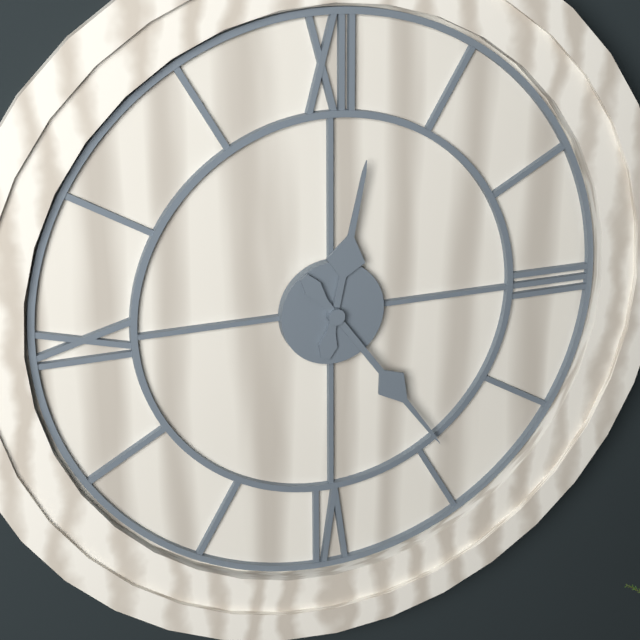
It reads 12 h 24 min
